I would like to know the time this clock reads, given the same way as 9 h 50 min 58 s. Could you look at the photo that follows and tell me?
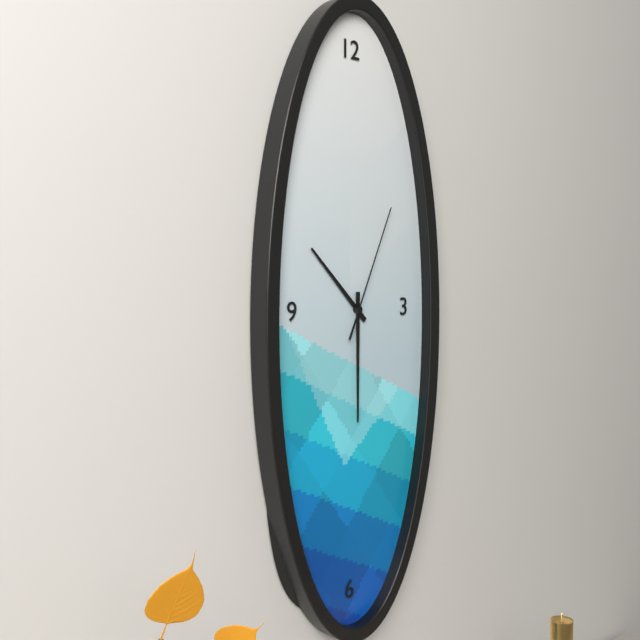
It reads 10 h 30 min 04 s
